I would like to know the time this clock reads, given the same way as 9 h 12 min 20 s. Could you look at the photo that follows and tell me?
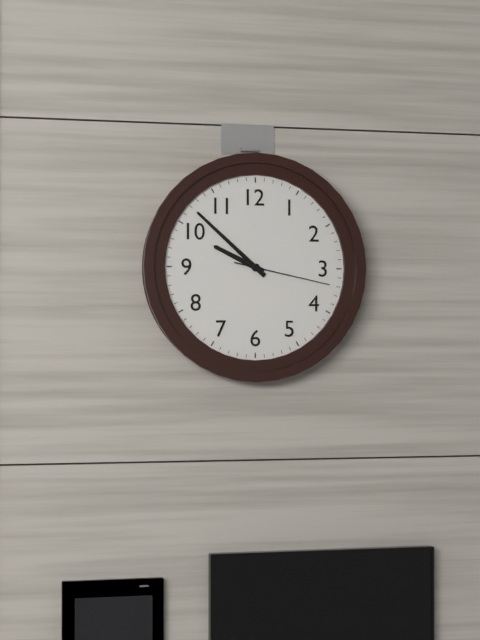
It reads 9 h 52 min 17 s
